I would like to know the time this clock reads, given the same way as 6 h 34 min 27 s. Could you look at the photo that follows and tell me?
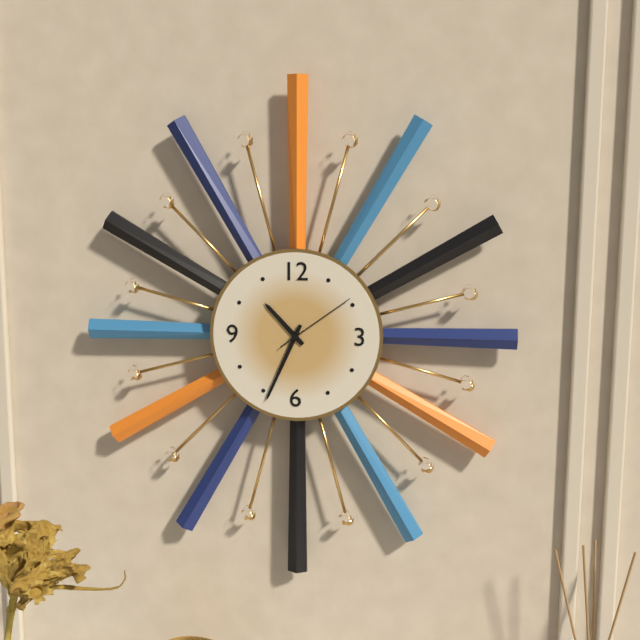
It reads 10 h 34 min 09 s
